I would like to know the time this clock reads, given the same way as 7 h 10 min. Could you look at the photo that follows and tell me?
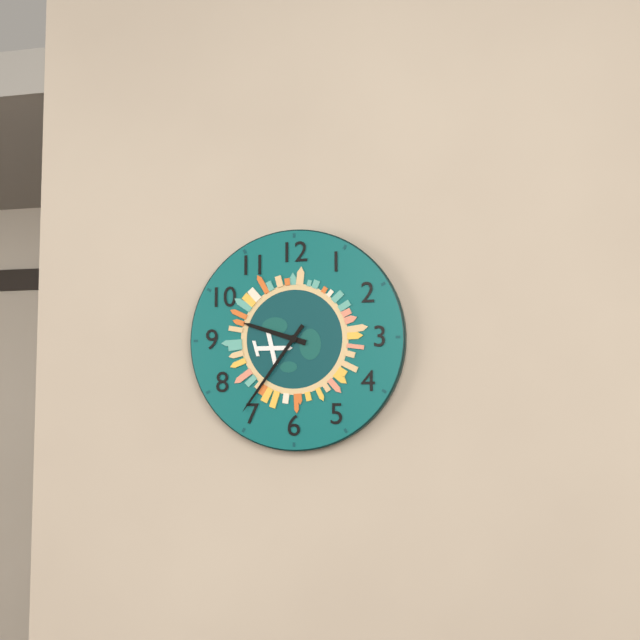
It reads 9 h 36 min
